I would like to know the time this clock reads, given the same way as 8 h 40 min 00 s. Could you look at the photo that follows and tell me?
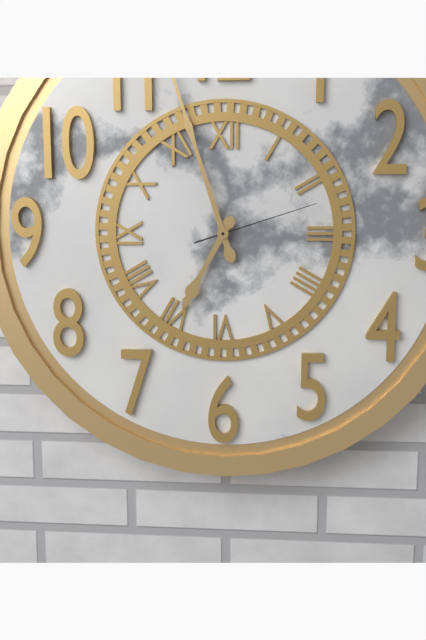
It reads 6 h 57 min 12 s
